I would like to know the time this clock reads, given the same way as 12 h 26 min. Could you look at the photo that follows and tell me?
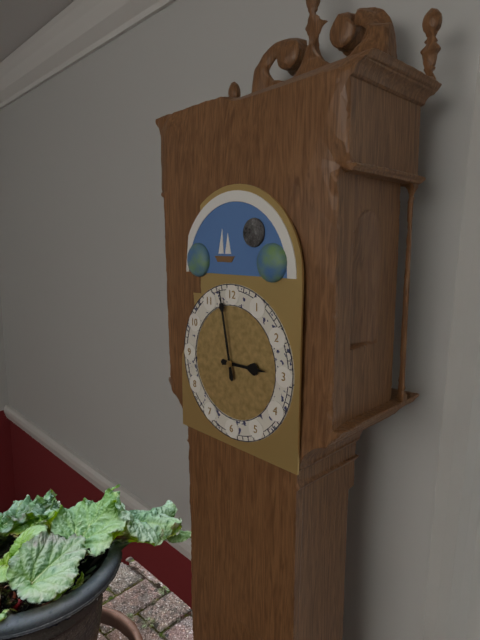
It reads 2 h 58 min
